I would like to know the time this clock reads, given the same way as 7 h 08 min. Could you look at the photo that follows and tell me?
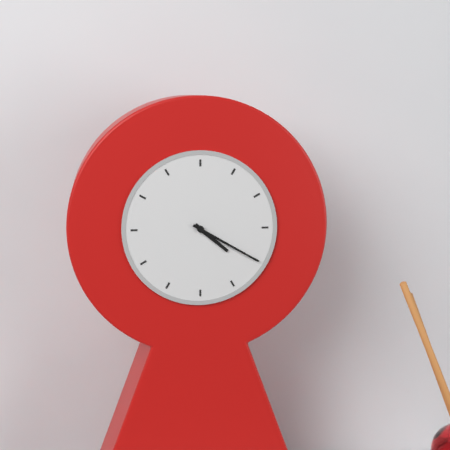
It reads 4 h 20 min
